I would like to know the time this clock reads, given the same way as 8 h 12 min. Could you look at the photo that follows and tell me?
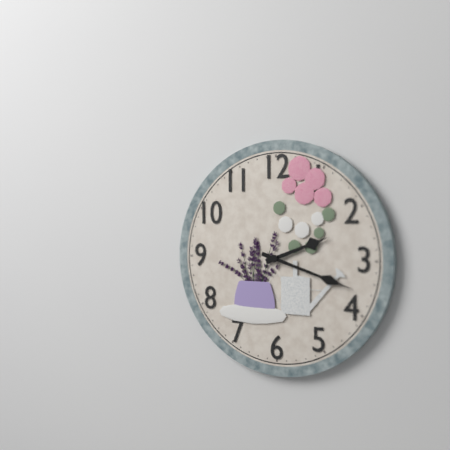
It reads 2 h 18 min
